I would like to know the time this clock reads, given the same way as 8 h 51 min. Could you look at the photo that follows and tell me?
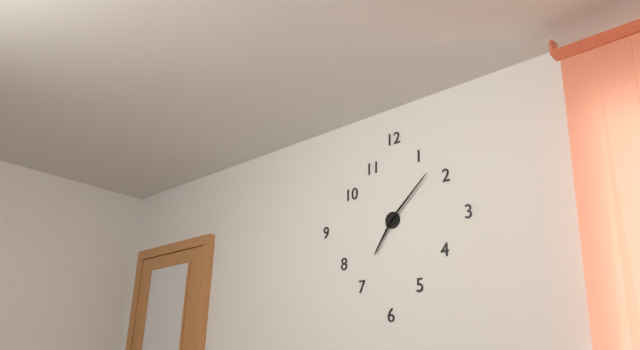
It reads 7 h 08 min
